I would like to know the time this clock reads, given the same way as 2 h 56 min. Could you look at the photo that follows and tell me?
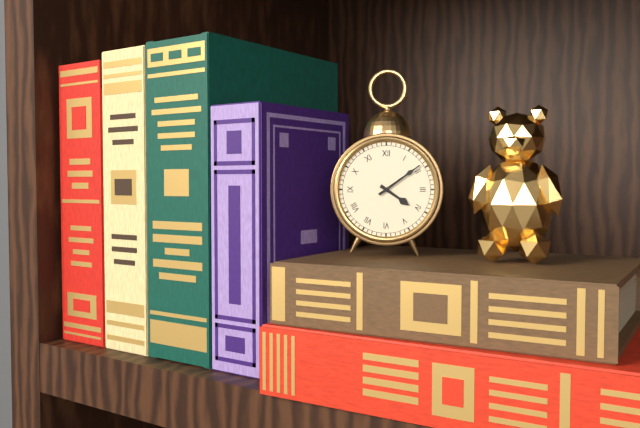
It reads 4 h 09 min
